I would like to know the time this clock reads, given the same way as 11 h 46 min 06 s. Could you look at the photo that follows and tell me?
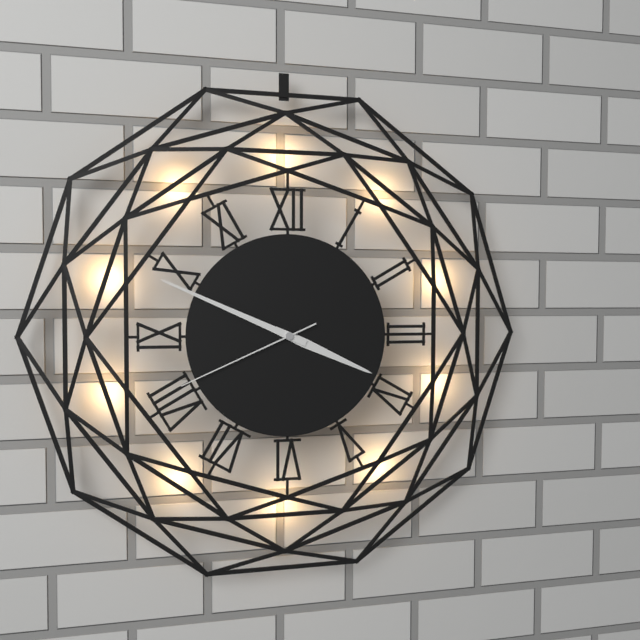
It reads 3 h 49 min 41 s
